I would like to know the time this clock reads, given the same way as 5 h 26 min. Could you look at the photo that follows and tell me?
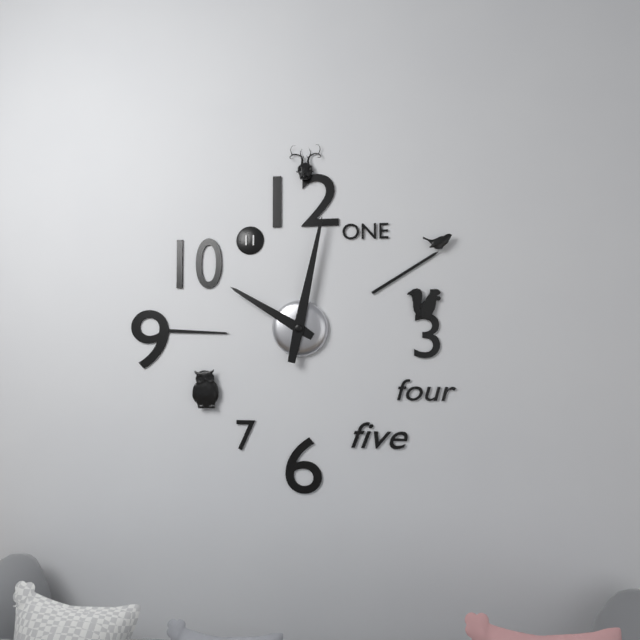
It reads 10 h 02 min
